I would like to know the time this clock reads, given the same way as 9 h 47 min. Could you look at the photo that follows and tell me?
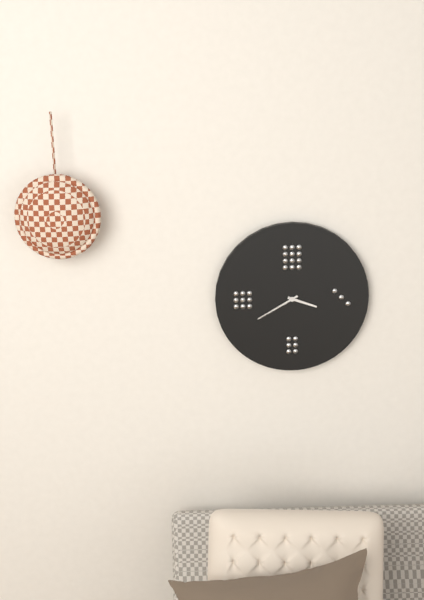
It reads 3 h 40 min
